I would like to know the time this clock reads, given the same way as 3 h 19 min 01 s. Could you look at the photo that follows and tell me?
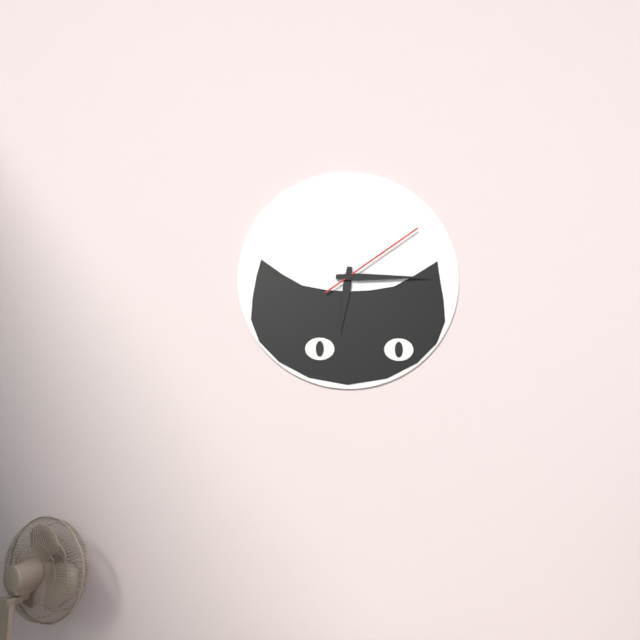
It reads 6 h 15 min 09 s
